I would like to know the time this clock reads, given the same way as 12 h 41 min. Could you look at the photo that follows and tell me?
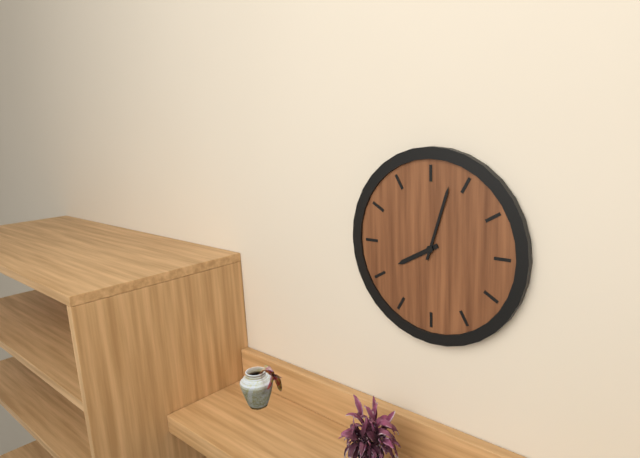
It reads 8 h 03 min
